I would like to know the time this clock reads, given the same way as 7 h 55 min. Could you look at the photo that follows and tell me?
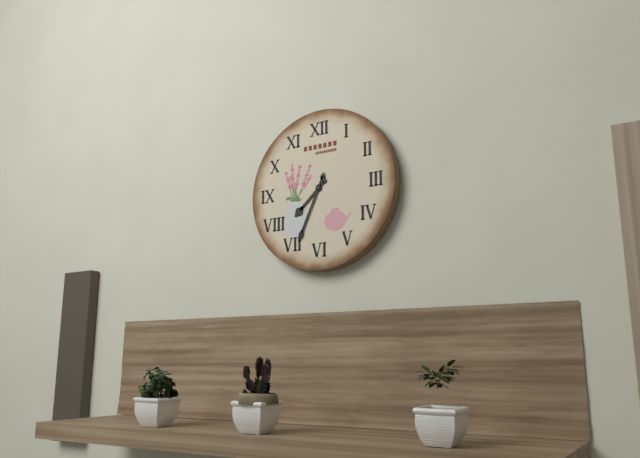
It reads 7 h 34 min
